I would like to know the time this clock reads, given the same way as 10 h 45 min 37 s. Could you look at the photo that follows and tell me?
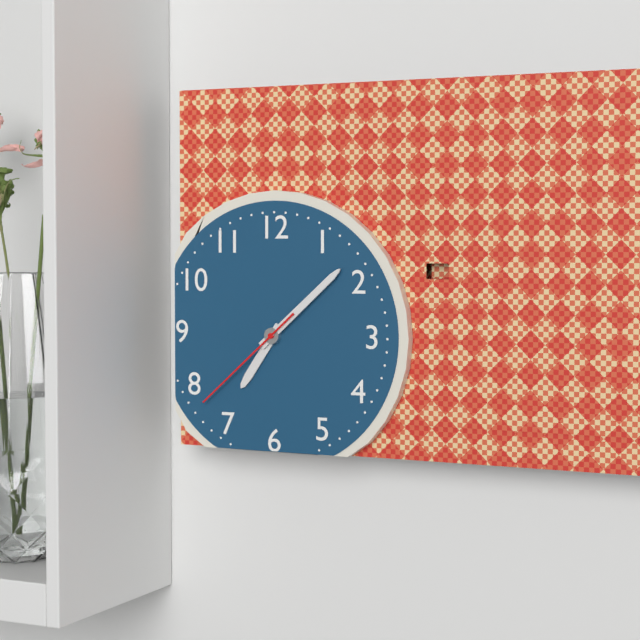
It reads 7 h 08 min 38 s
